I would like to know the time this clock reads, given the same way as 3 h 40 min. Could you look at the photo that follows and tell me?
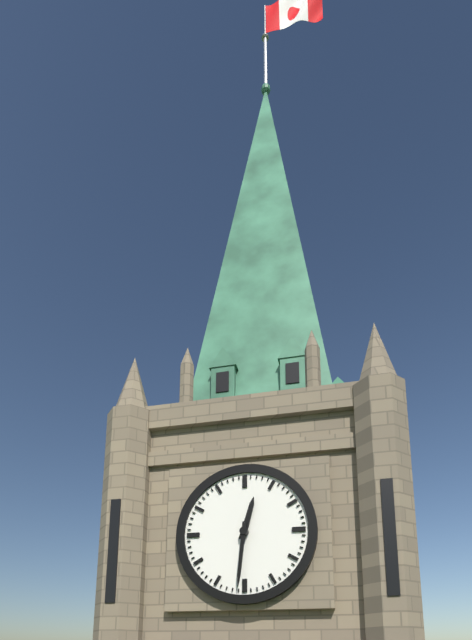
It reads 12 h 31 min
